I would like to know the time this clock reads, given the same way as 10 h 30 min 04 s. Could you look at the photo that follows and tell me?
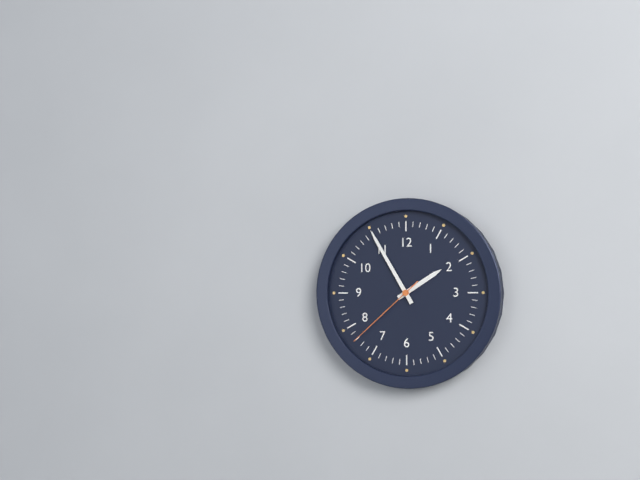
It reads 1 h 55 min 38 s
